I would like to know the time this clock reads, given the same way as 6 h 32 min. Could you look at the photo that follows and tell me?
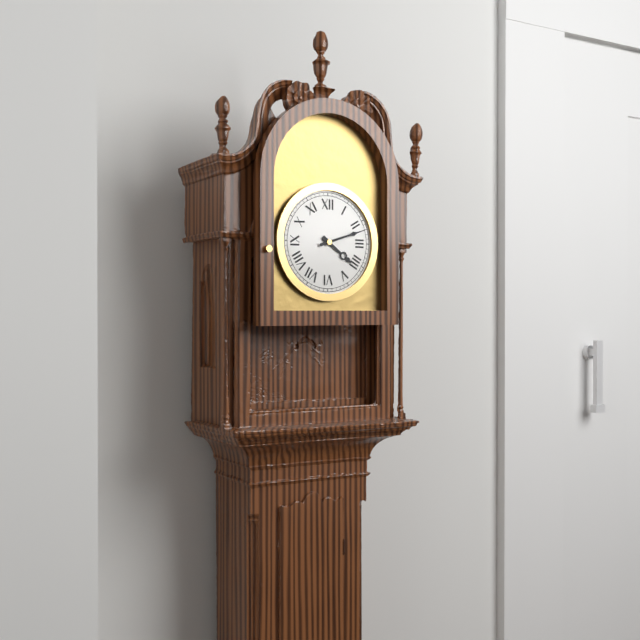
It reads 4 h 12 min
